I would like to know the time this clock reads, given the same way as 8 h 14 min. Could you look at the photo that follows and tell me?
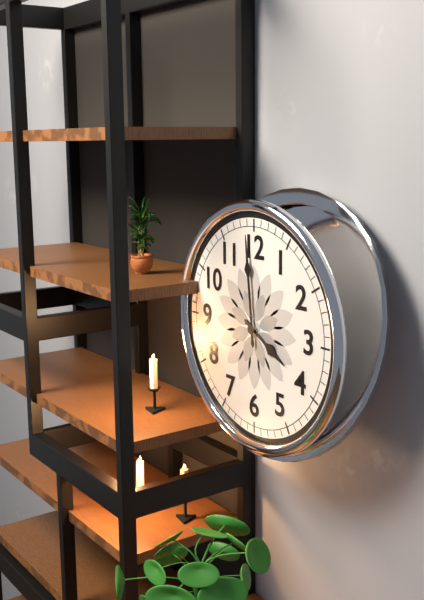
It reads 3 h 59 min
